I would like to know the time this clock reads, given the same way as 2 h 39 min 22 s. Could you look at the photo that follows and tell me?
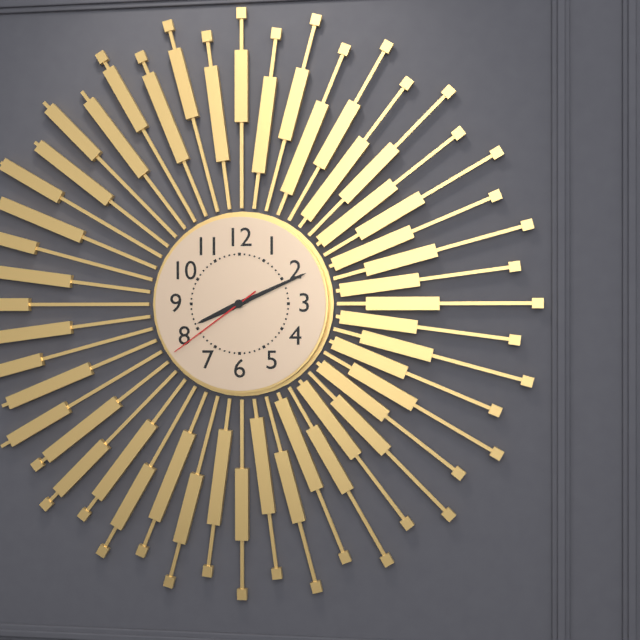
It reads 8 h 11 min 39 s
